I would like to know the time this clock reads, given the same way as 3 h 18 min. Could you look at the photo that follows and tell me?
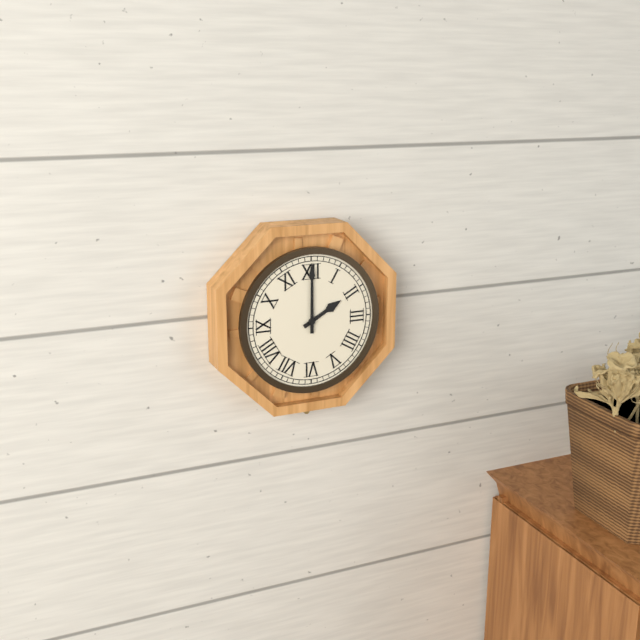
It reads 2 h 00 min
